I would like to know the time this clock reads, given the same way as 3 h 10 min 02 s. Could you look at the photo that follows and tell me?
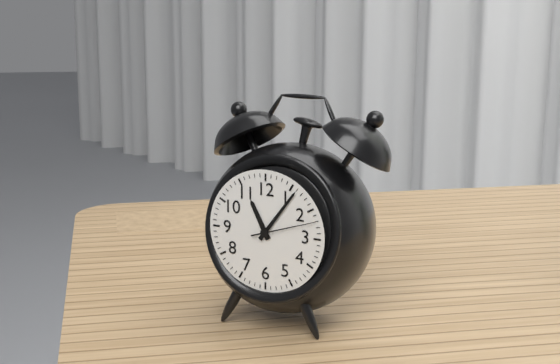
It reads 11 h 06 min 12 s
